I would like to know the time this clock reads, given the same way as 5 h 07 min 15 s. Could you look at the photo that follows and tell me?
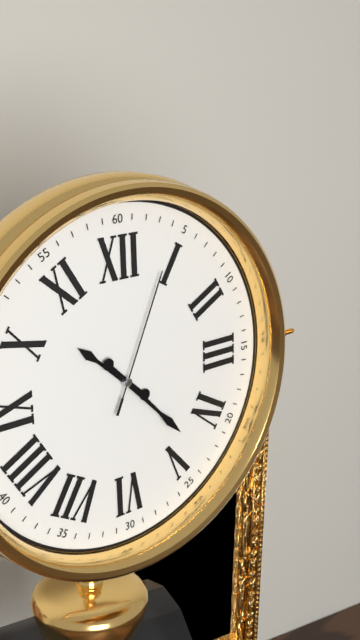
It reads 10 h 23 min 04 s
